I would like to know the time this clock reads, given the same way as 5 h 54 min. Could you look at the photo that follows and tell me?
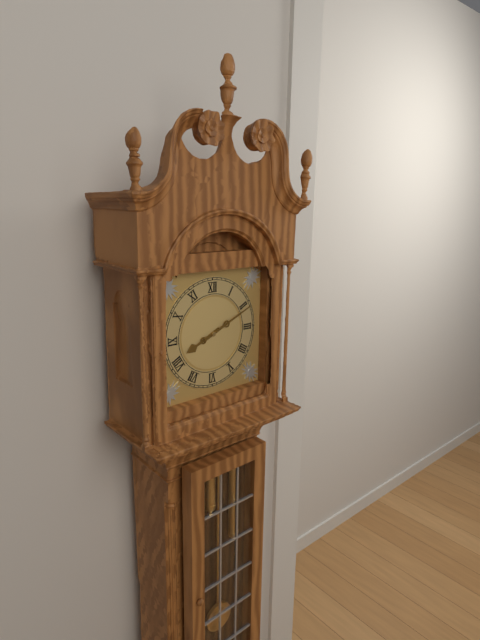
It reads 8 h 11 min
